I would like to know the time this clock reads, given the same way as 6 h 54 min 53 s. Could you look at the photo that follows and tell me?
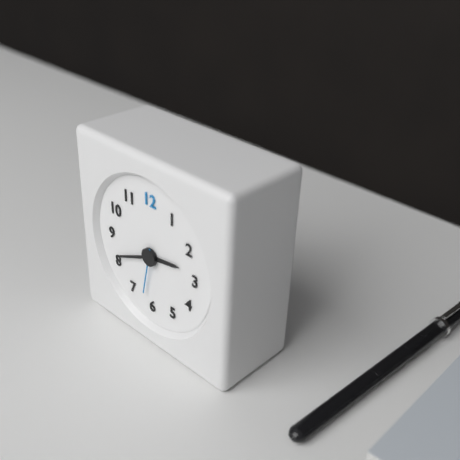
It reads 2 h 41 min 32 s
